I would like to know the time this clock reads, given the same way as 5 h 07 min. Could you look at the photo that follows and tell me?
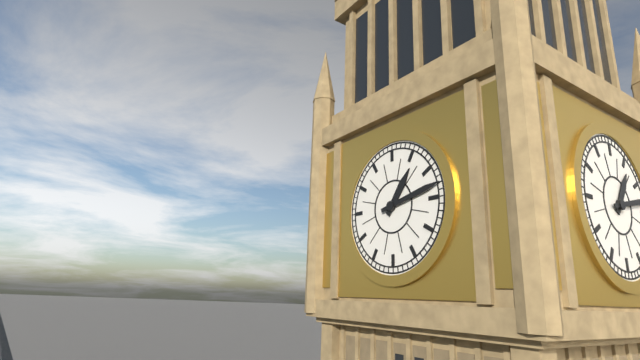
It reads 1 h 13 min
